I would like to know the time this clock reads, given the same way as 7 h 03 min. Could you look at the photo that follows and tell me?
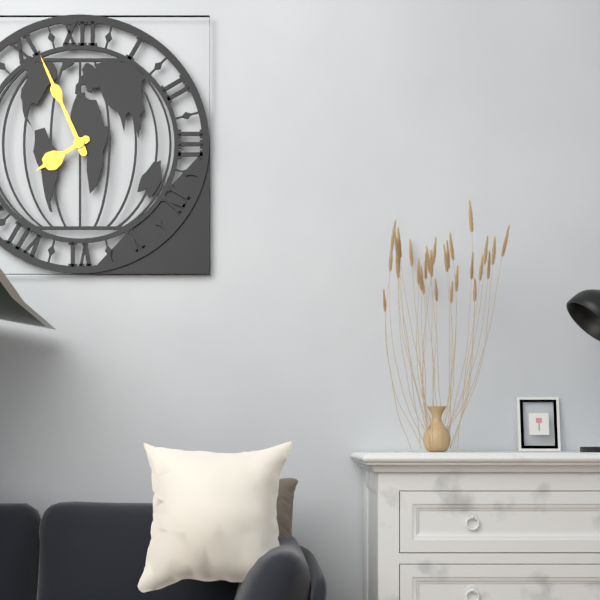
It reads 7 h 56 min
